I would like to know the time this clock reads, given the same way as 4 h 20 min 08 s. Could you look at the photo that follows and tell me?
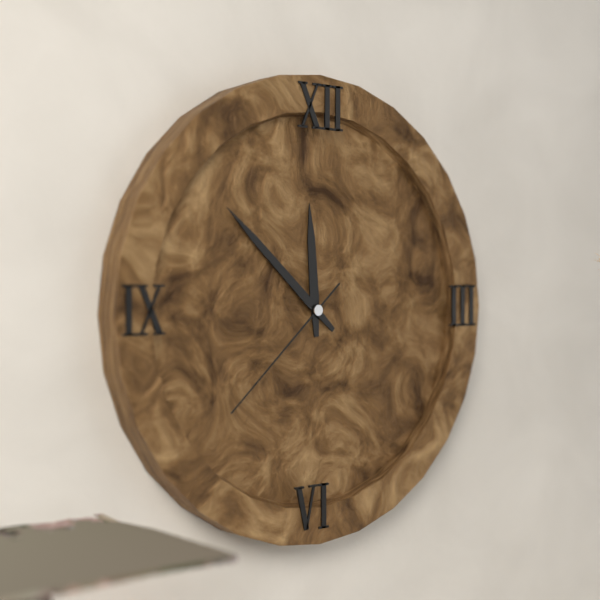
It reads 11 h 52 min 38 s
